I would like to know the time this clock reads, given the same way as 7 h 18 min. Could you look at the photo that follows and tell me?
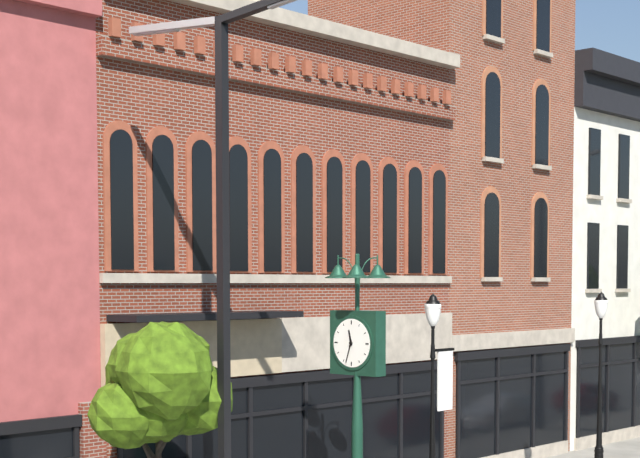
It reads 11 h 33 min
